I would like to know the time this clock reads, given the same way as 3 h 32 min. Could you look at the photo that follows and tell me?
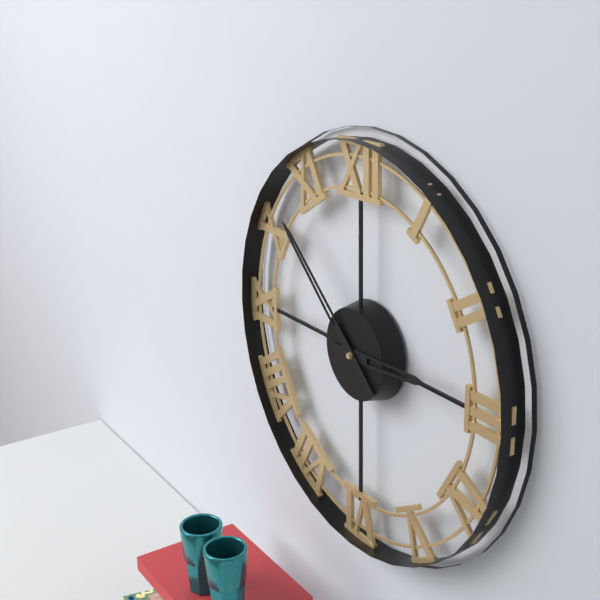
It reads 2 h 52 min
